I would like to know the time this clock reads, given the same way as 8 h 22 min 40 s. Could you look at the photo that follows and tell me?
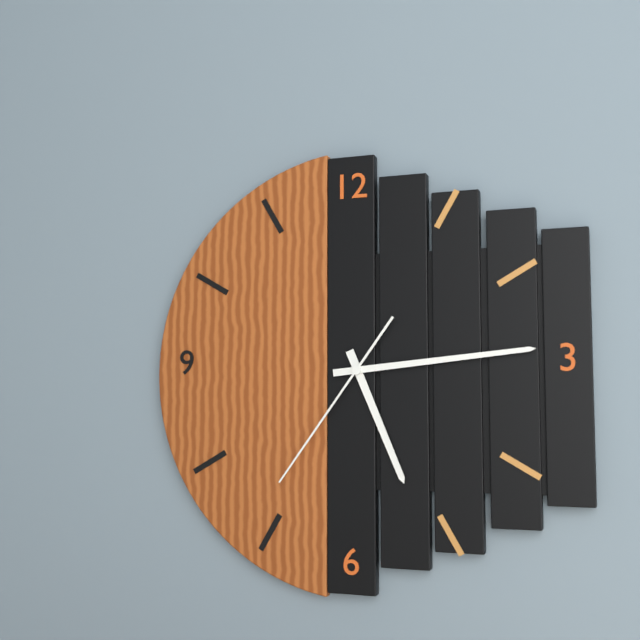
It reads 5 h 14 min 36 s
